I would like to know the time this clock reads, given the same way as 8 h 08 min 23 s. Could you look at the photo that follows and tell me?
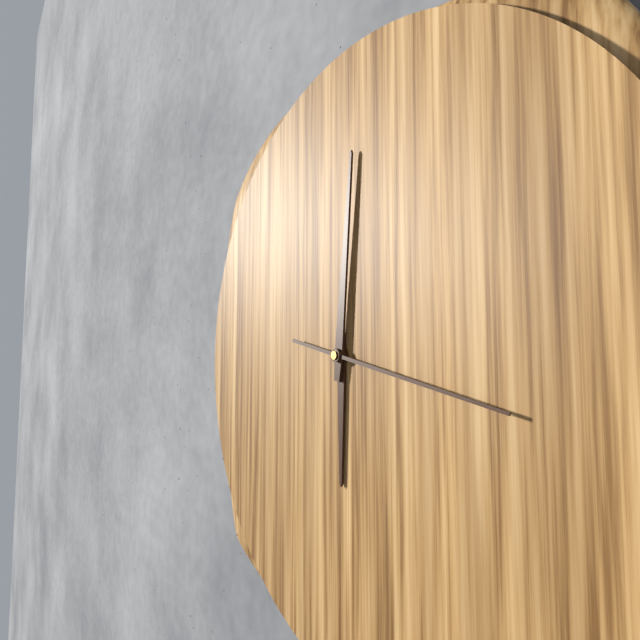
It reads 6 h 01 min 17 s
